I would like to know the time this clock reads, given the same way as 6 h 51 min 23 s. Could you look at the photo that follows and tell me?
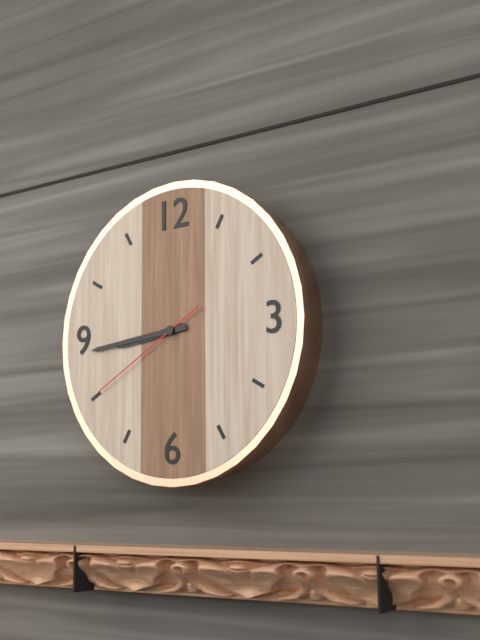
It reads 8 h 44 min 40 s
